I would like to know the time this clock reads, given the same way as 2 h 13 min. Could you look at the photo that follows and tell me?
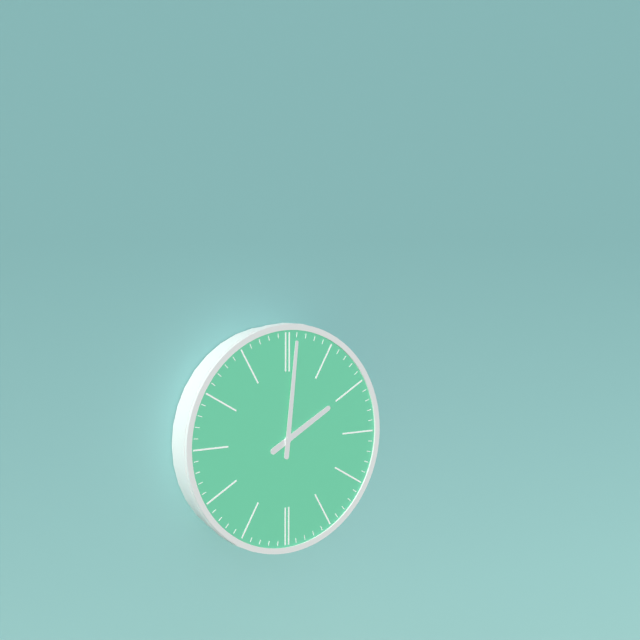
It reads 2 h 01 min
